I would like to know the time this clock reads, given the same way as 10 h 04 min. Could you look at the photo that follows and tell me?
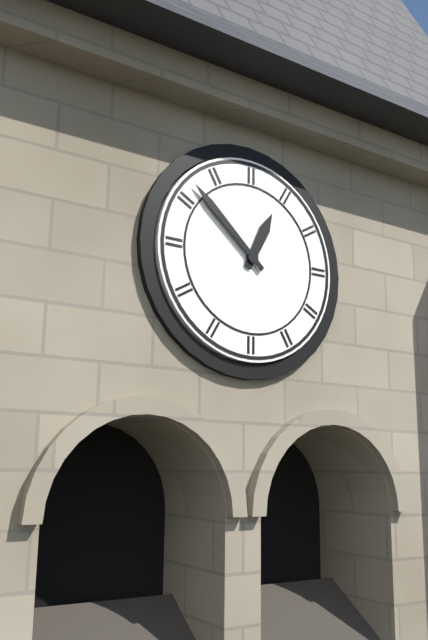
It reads 12 h 52 min
